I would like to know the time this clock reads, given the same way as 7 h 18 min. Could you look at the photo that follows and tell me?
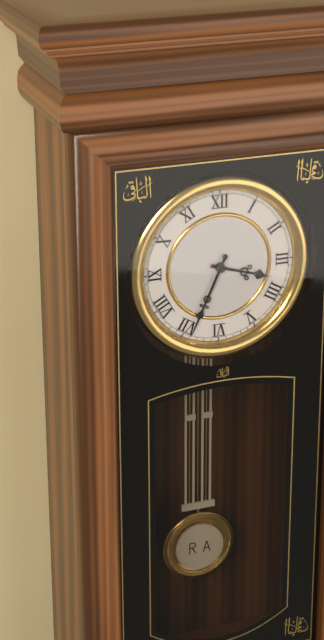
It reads 3 h 34 min
